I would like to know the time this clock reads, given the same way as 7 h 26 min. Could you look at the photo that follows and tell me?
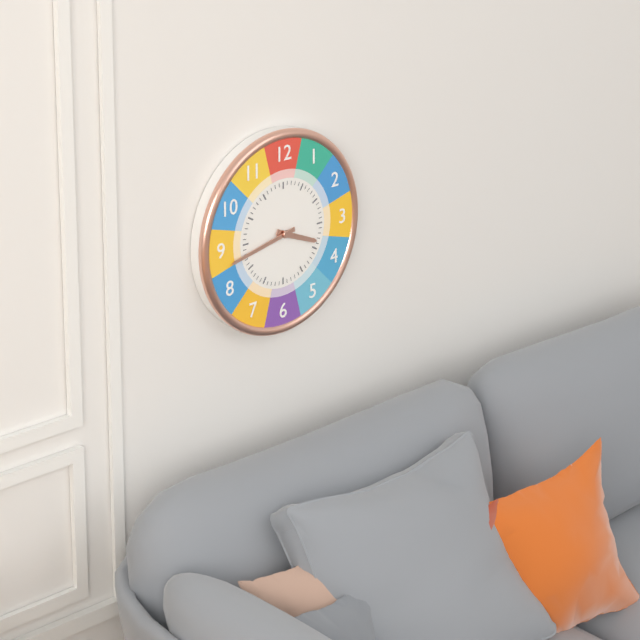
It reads 3 h 43 min
